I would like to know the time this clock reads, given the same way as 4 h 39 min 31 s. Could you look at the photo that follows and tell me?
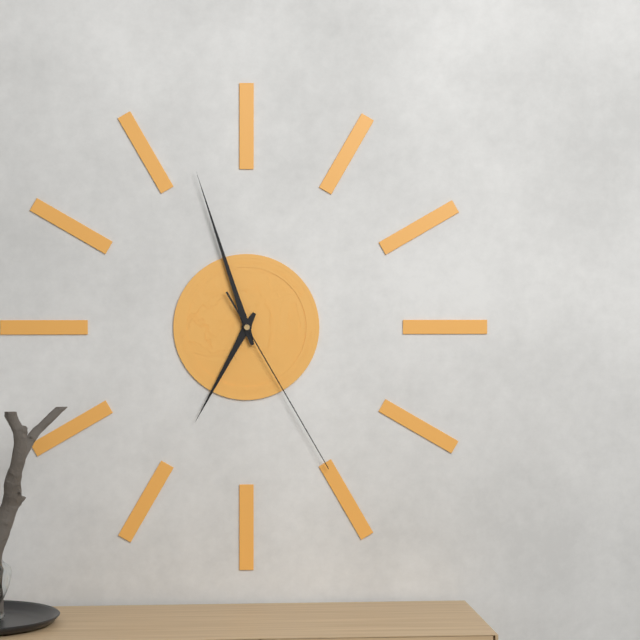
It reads 6 h 57 min 25 s
